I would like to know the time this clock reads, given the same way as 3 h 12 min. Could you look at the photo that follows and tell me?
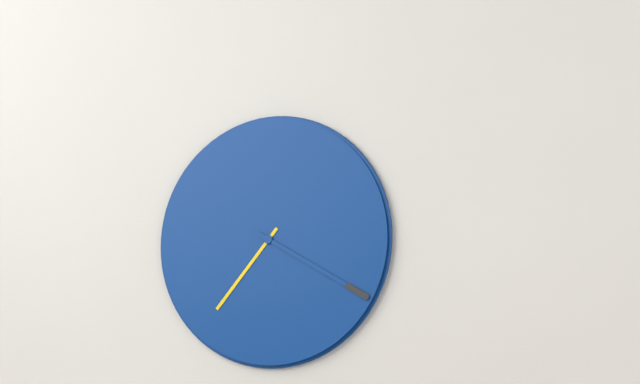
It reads 7 h 20 min
